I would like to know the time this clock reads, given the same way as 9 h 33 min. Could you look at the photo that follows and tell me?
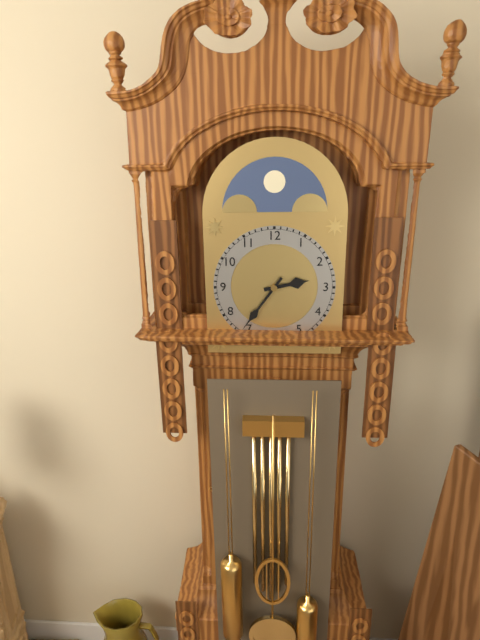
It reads 2 h 36 min
